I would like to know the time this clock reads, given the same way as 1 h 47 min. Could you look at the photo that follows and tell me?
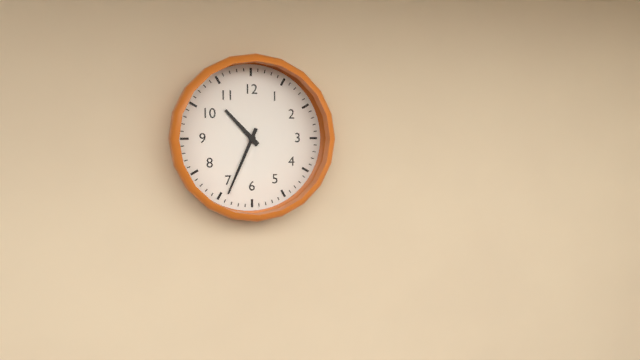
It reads 10 h 34 min
